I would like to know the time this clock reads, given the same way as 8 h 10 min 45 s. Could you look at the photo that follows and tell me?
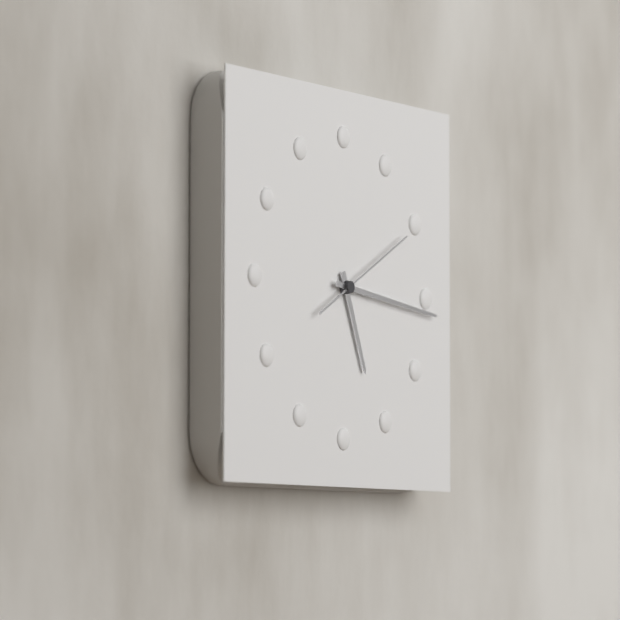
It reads 5 h 16 min 10 s
